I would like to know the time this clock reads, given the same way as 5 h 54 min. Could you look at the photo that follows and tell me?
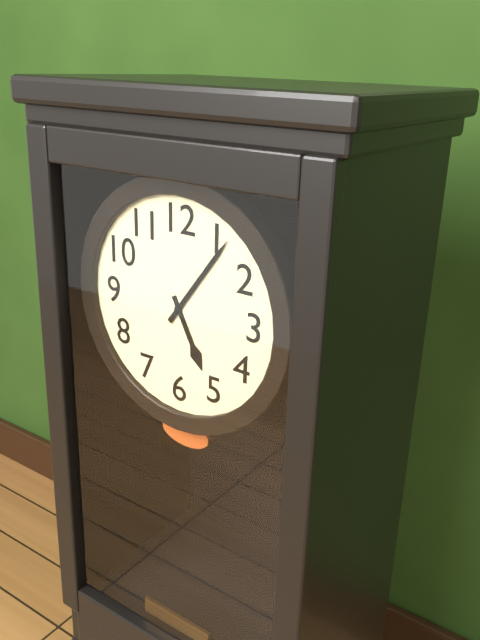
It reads 5 h 06 min
